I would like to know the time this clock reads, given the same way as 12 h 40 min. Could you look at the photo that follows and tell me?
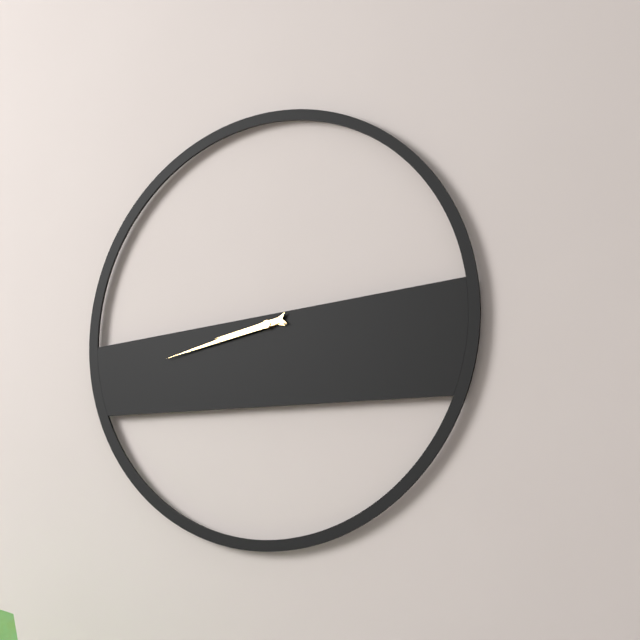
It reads 8 h 43 min
